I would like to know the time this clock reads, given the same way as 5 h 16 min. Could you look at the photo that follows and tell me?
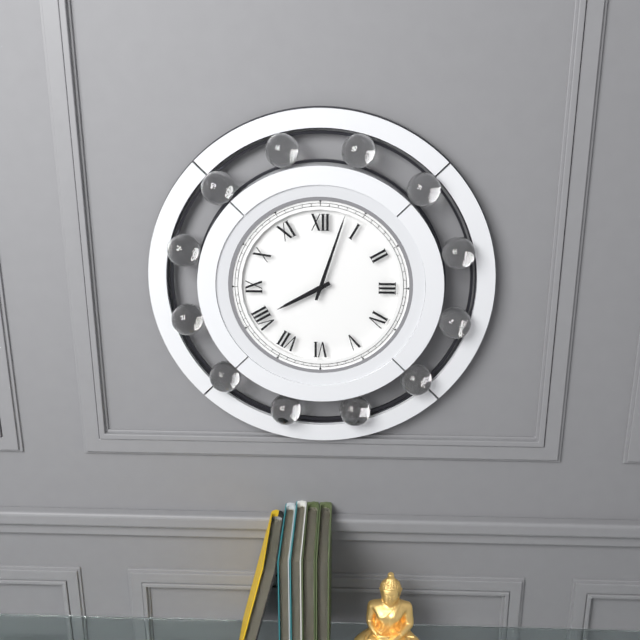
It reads 8 h 03 min
